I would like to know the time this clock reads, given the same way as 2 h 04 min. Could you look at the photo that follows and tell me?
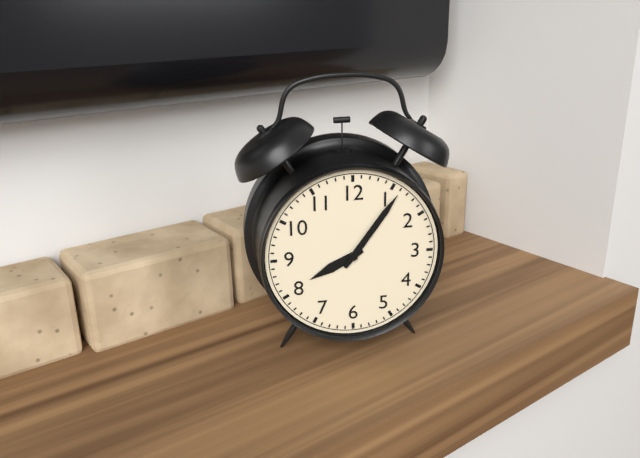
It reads 8 h 06 min
